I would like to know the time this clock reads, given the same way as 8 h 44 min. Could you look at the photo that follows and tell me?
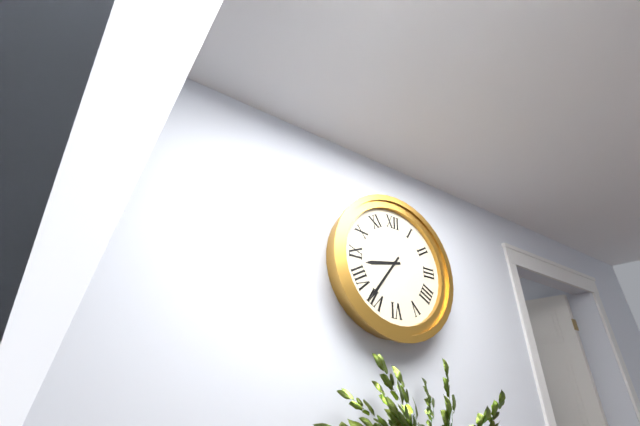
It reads 8 h 36 min
